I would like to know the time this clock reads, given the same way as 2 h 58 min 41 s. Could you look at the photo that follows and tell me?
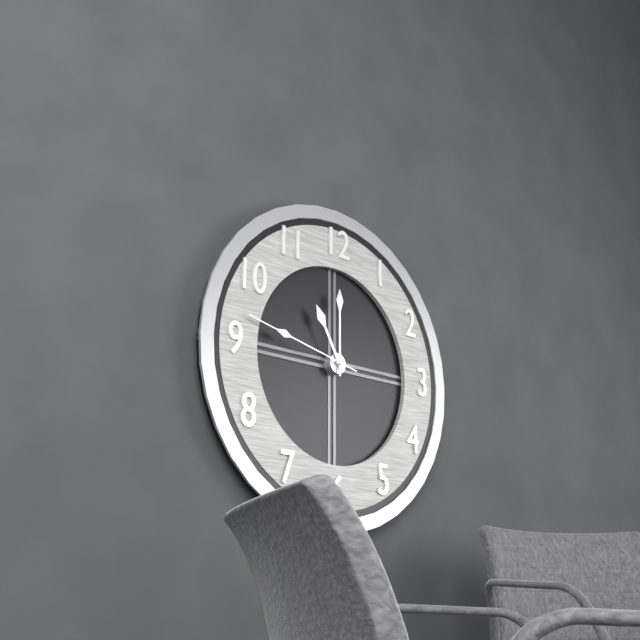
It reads 11 h 00 min 47 s
